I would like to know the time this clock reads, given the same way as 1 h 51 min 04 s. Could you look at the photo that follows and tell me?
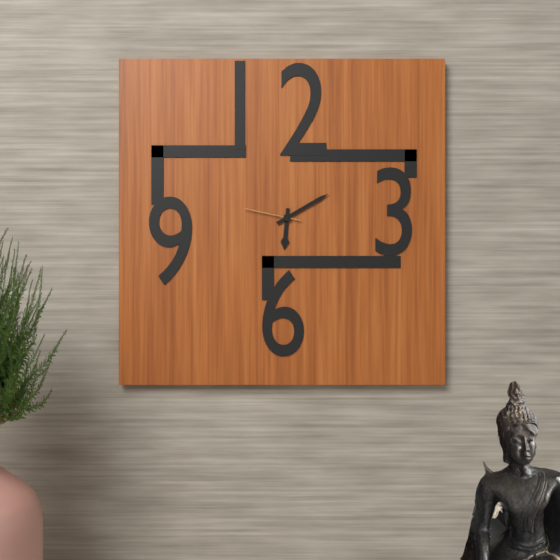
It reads 6 h 10 min 47 s
